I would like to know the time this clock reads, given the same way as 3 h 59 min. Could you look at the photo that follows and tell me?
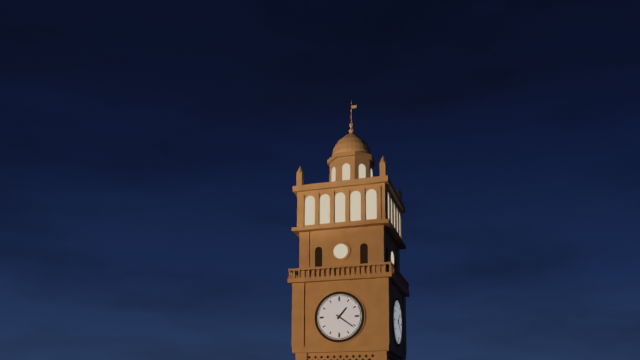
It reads 1 h 21 min
